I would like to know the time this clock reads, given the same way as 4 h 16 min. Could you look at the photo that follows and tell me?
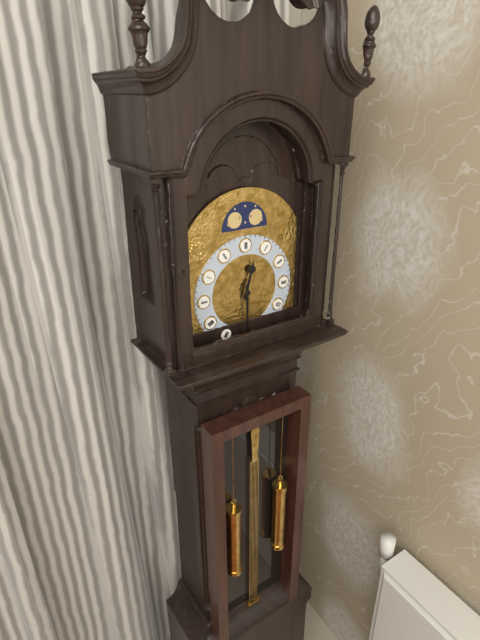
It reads 12 h 30 min
